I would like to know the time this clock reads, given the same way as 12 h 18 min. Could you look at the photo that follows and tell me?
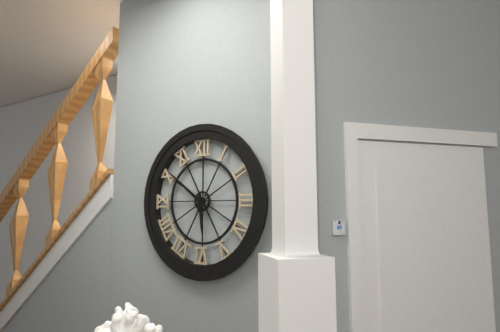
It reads 5 h 51 min
